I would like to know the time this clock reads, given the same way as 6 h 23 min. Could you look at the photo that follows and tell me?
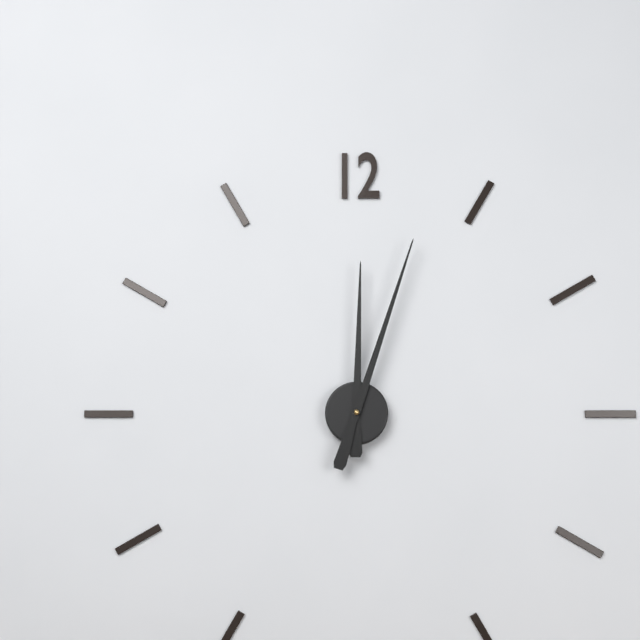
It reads 12 h 03 min
